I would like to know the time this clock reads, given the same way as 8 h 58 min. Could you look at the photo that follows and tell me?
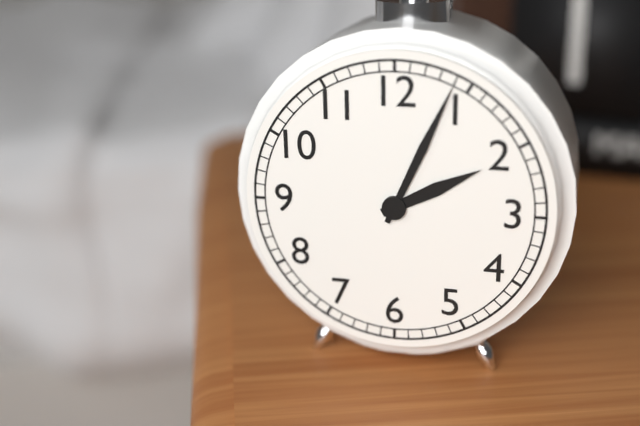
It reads 2 h 04 min
